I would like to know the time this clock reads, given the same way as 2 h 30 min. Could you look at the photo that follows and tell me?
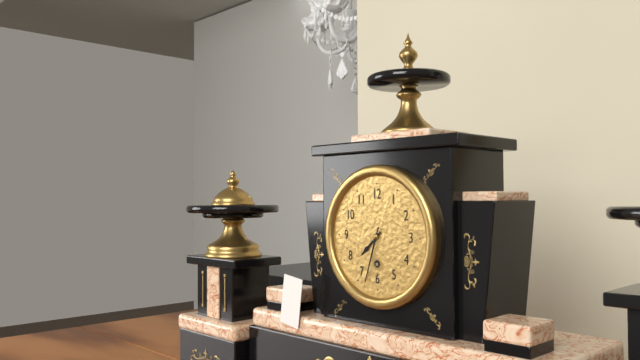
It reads 7 h 33 min
